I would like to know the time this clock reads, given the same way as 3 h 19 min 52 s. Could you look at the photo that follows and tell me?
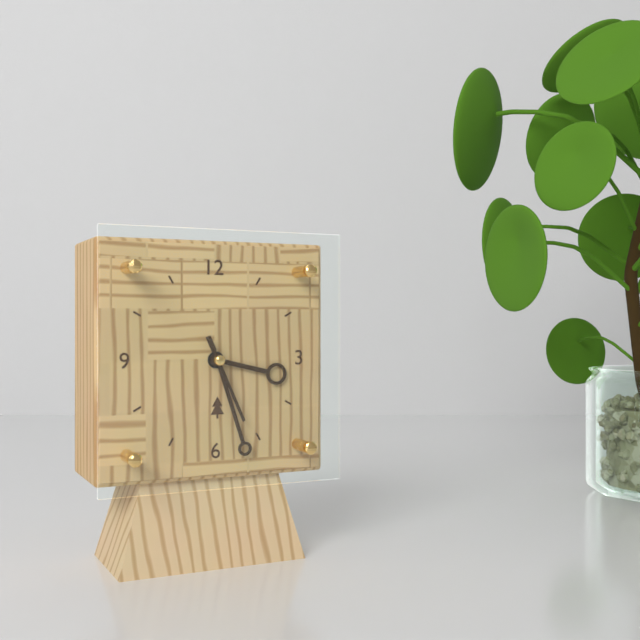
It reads 3 h 27 min 26 s
